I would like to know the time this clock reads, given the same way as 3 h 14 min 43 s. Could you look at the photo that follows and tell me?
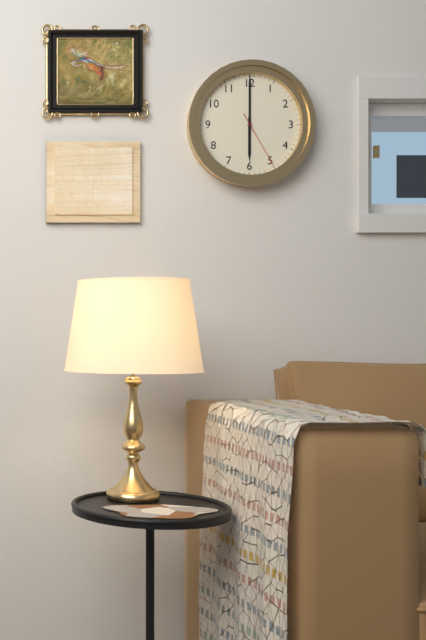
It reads 6 h 00 min 25 s
